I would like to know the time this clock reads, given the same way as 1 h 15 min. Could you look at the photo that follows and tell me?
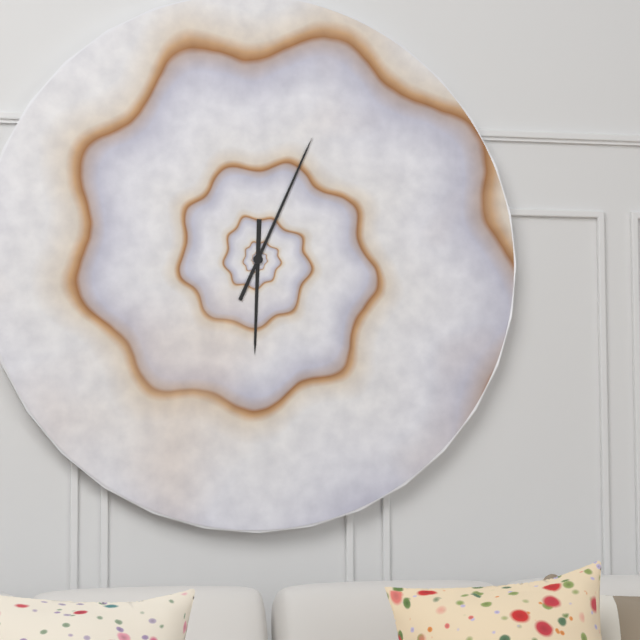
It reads 6 h 04 min
